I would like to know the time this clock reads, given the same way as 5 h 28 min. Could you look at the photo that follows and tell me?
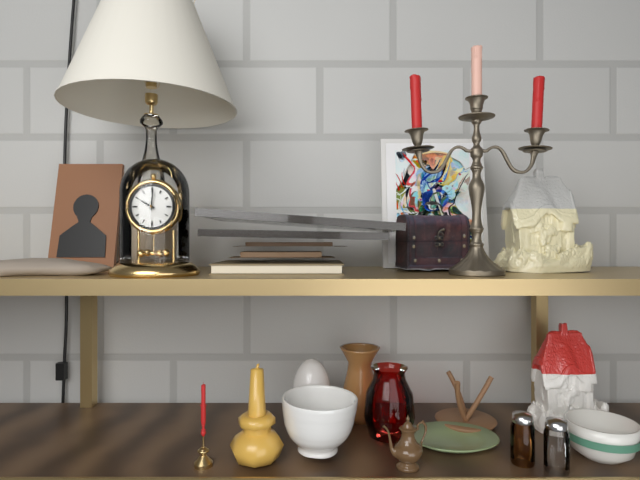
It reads 10 h 01 min
